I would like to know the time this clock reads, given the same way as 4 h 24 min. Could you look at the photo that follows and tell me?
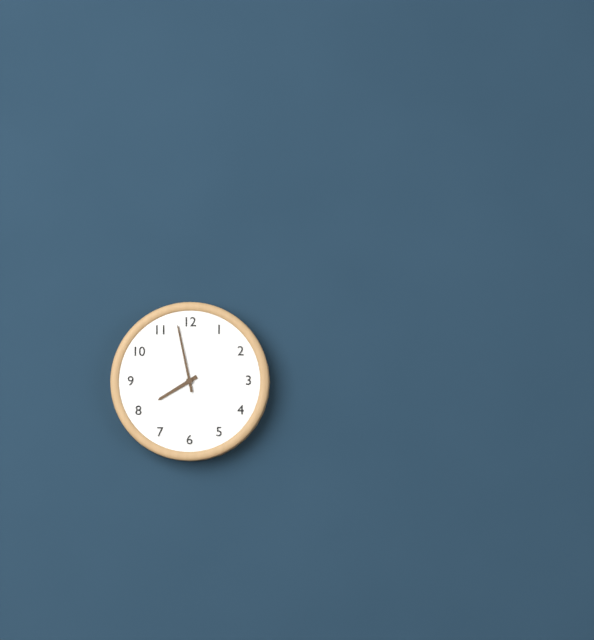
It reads 7 h 58 min
